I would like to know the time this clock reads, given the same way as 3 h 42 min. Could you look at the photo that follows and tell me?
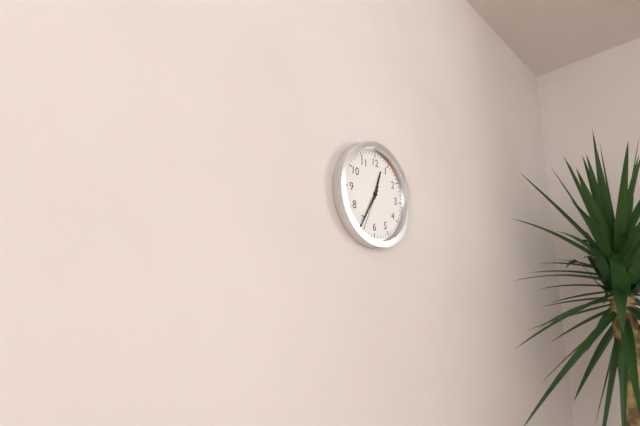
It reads 12 h 35 min
